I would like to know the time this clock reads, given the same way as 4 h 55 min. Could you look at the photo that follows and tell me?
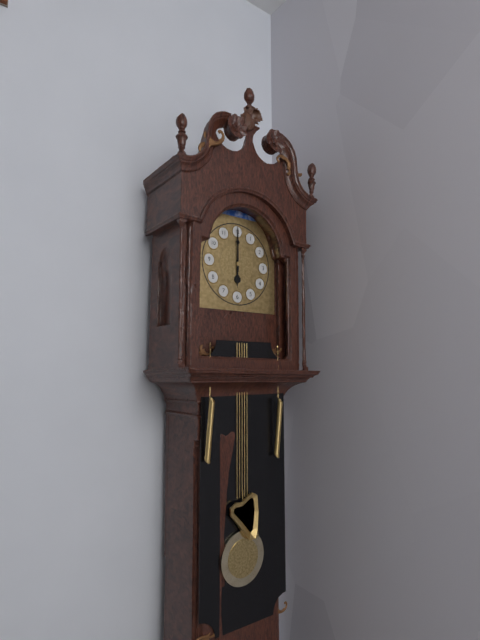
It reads 6 h 00 min
